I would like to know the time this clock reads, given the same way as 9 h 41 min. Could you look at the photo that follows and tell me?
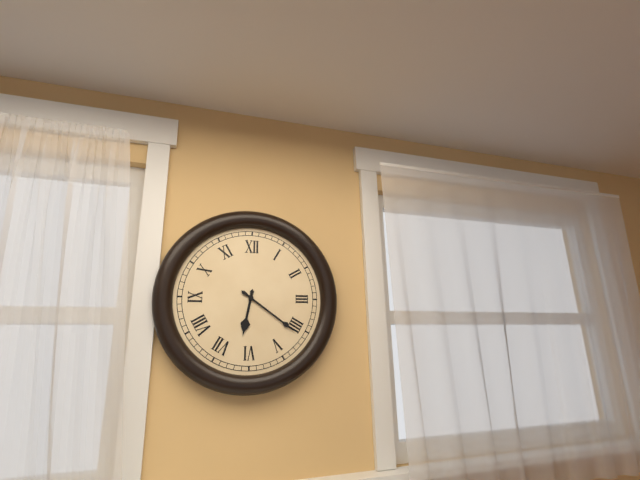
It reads 6 h 21 min
